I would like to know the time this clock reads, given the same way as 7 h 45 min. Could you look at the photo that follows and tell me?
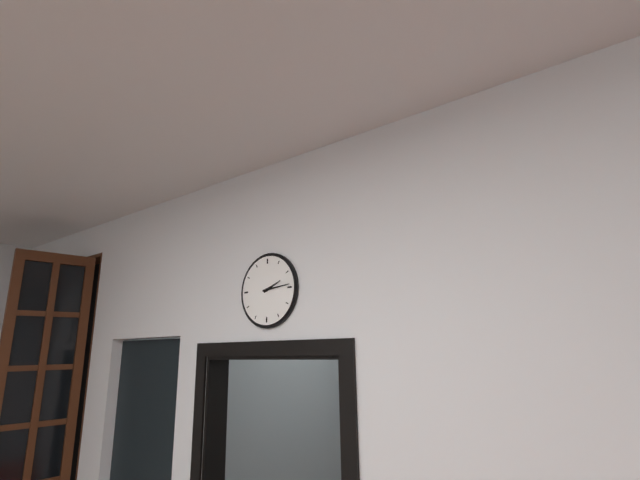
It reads 2 h 14 min
